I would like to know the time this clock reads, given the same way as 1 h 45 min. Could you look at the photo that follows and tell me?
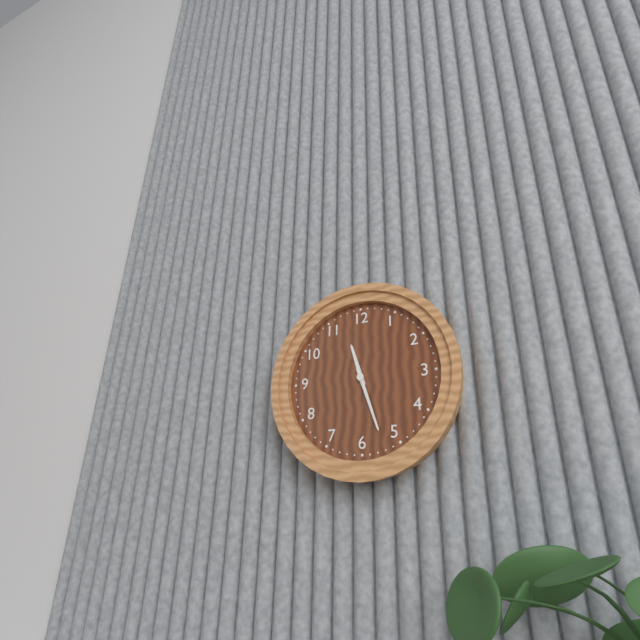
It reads 11 h 27 min
